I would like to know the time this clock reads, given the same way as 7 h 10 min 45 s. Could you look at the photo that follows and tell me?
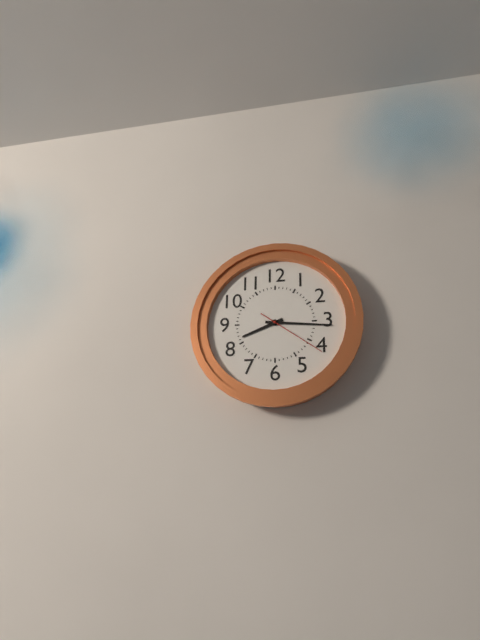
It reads 8 h 16 min 21 s
